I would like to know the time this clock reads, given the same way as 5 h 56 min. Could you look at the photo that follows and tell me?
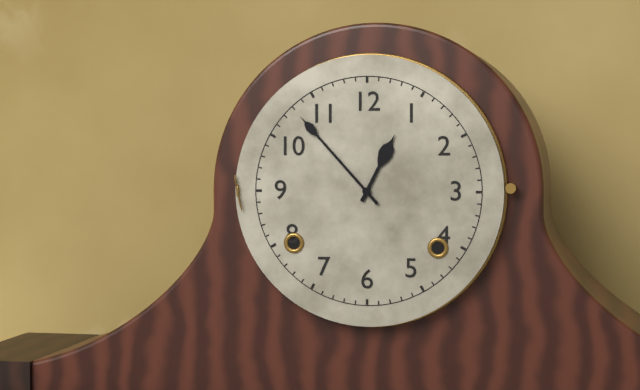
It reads 12 h 53 min
